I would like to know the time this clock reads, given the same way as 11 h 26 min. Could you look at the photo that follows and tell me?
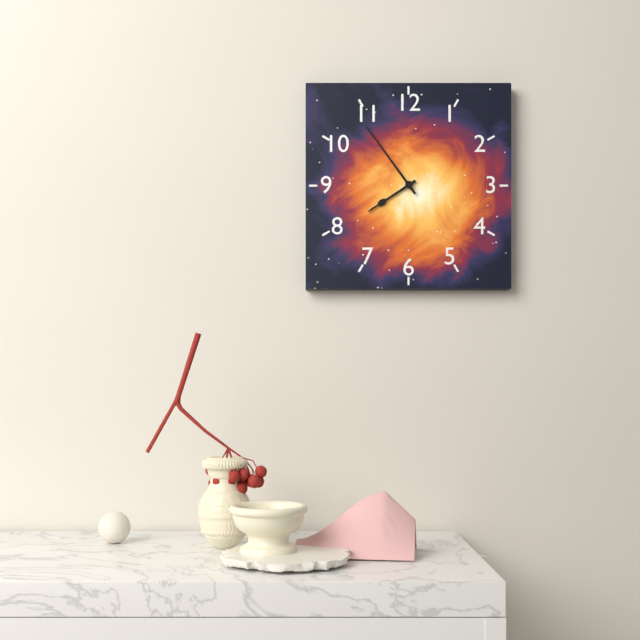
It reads 7 h 54 min
